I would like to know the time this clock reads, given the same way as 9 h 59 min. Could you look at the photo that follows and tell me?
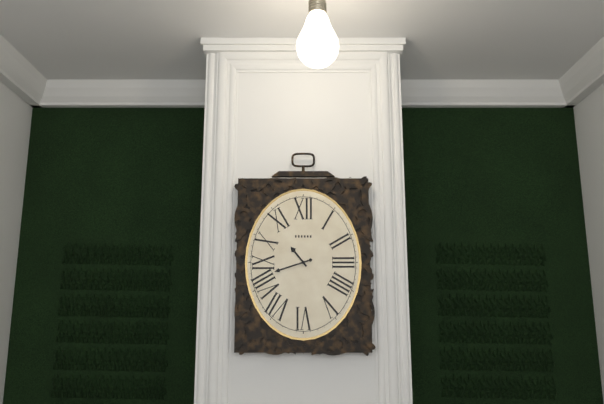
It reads 10 h 42 min
